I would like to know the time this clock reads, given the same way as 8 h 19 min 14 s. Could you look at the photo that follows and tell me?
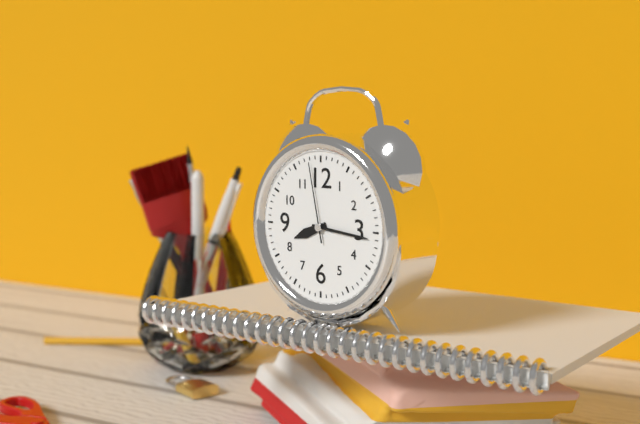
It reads 8 h 16 min 58 s
